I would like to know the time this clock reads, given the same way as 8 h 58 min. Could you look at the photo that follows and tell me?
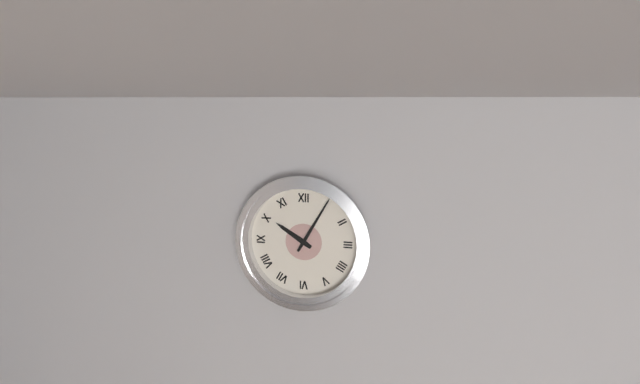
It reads 10 h 05 min
